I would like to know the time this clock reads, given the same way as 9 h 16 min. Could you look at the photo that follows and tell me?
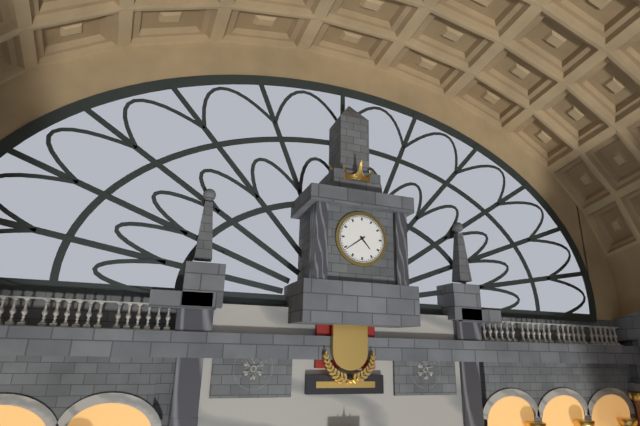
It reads 4 h 39 min
